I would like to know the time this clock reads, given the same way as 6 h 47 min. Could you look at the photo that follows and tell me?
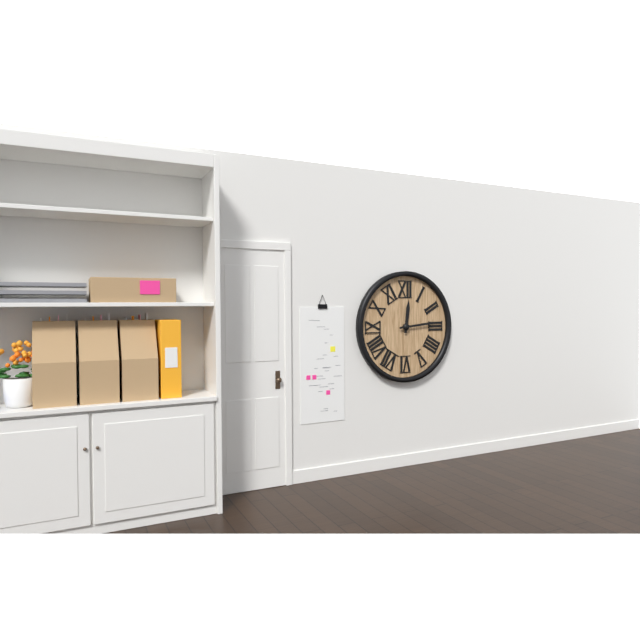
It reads 12 h 14 min
